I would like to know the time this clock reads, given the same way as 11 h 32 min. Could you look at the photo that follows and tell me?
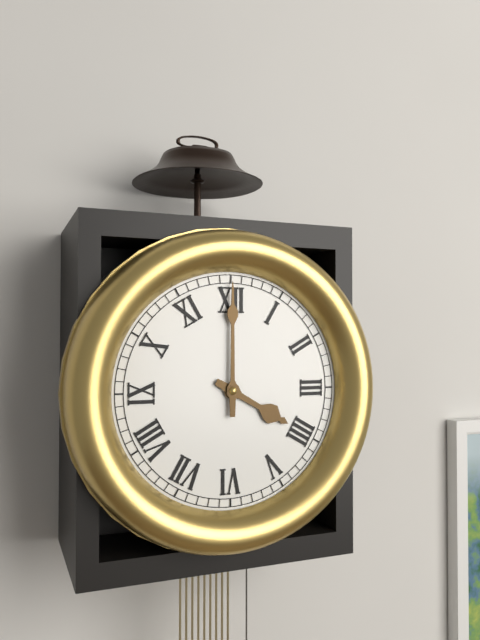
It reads 4 h 00 min
